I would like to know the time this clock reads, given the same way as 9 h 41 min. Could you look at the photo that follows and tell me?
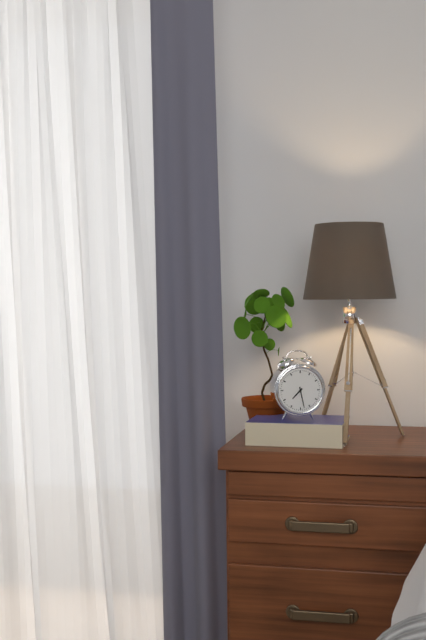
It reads 7 h 28 min
